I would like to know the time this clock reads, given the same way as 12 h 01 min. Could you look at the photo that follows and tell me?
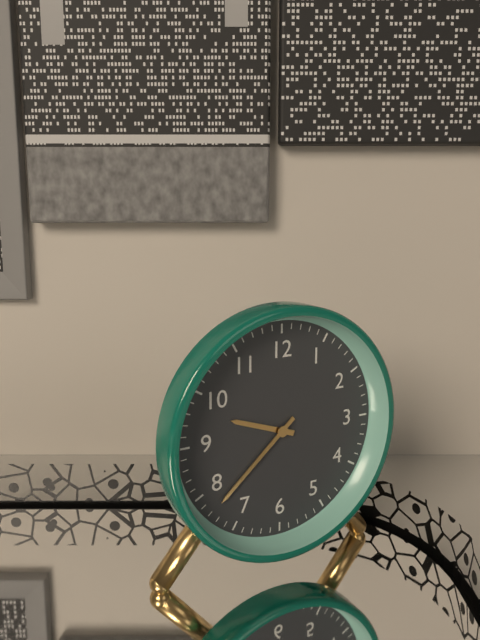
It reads 9 h 38 min
